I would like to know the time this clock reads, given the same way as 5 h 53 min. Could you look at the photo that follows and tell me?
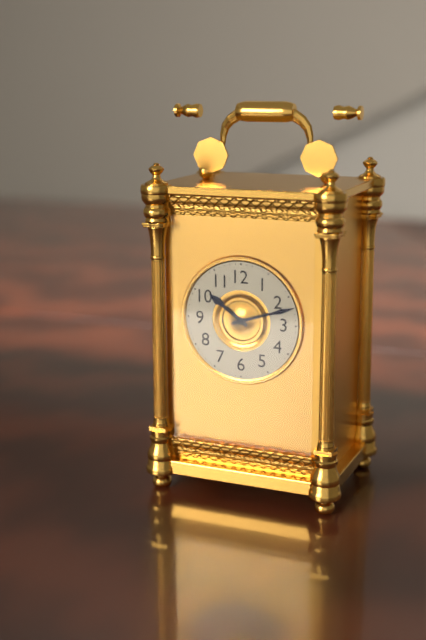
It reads 10 h 12 min
